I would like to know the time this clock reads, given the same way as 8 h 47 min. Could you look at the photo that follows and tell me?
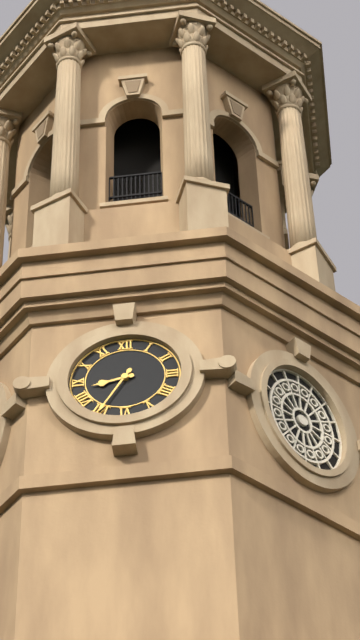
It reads 8 h 35 min
